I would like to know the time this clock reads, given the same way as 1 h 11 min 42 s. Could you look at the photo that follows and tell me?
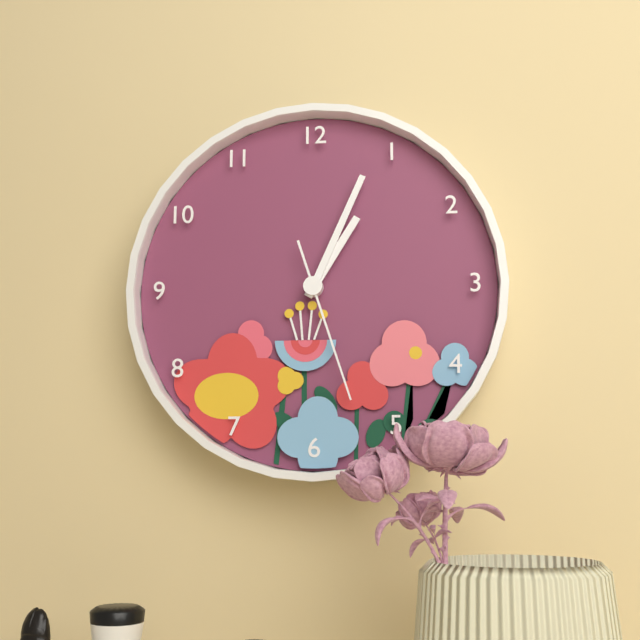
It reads 1 h 04 min 27 s
